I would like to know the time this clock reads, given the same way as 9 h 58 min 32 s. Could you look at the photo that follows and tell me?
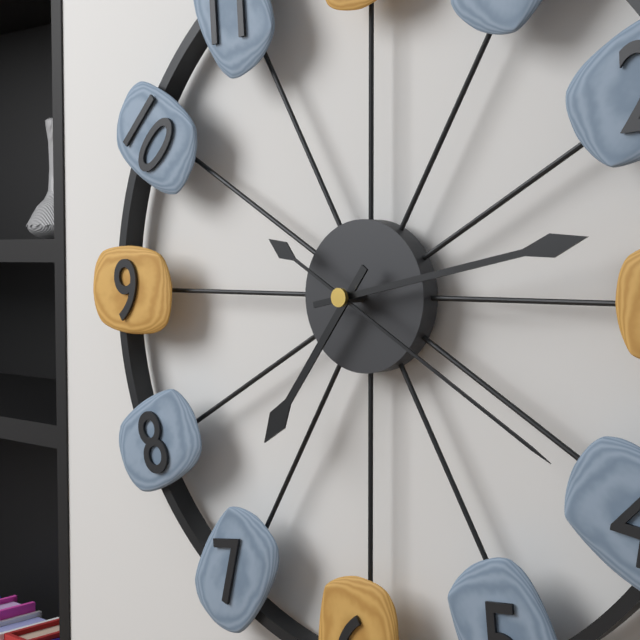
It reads 7 h 13 min 20 s
